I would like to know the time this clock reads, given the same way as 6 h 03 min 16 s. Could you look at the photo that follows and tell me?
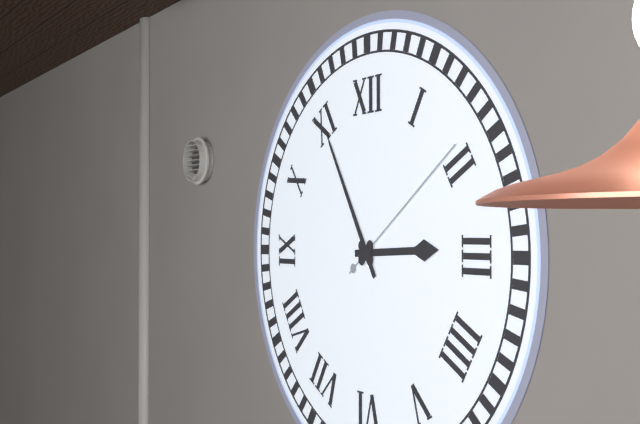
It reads 2 h 55 min 09 s
